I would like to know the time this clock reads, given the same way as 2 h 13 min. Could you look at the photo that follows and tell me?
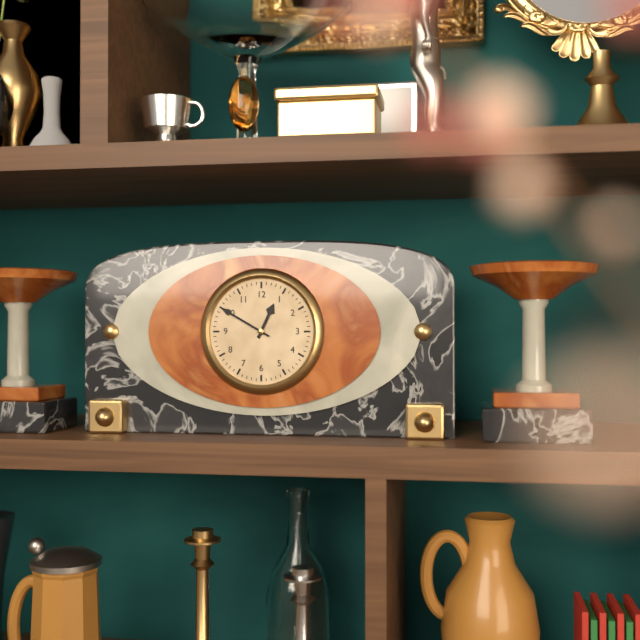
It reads 12 h 50 min
